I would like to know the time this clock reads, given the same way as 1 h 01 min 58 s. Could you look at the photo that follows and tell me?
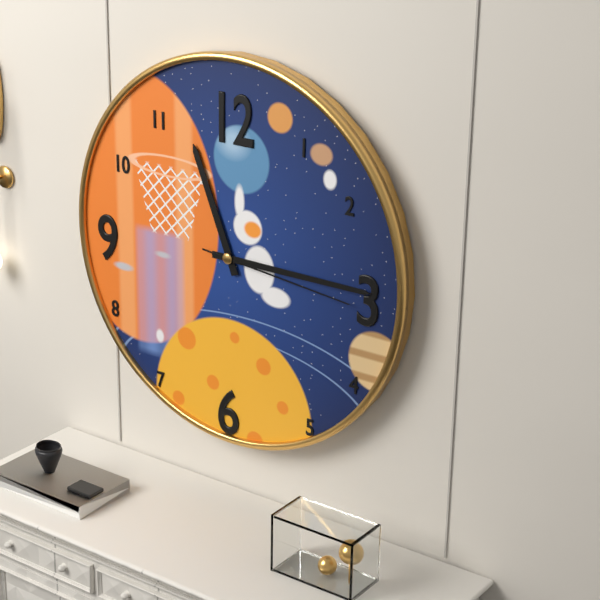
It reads 11 h 15 min 16 s
